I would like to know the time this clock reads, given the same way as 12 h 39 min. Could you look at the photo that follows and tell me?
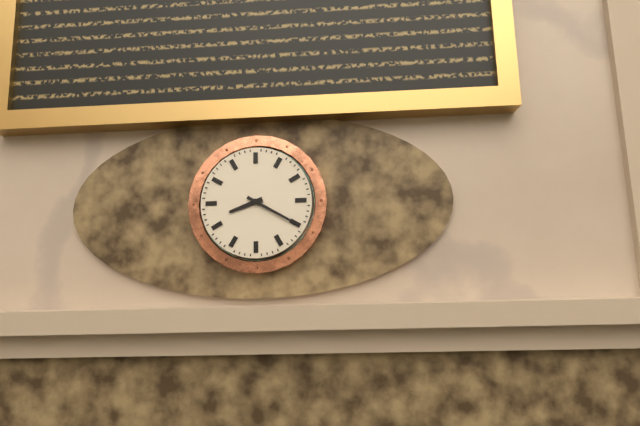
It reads 8 h 20 min
